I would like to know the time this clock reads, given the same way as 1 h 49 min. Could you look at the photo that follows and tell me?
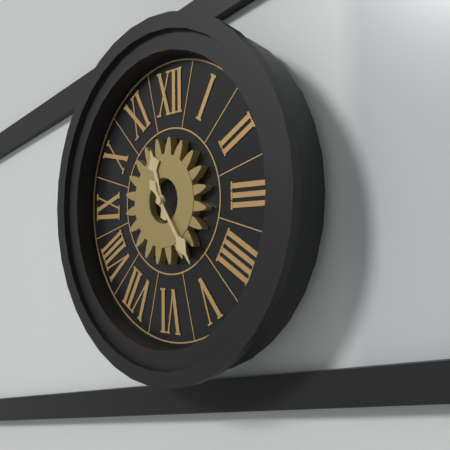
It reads 11 h 24 min
